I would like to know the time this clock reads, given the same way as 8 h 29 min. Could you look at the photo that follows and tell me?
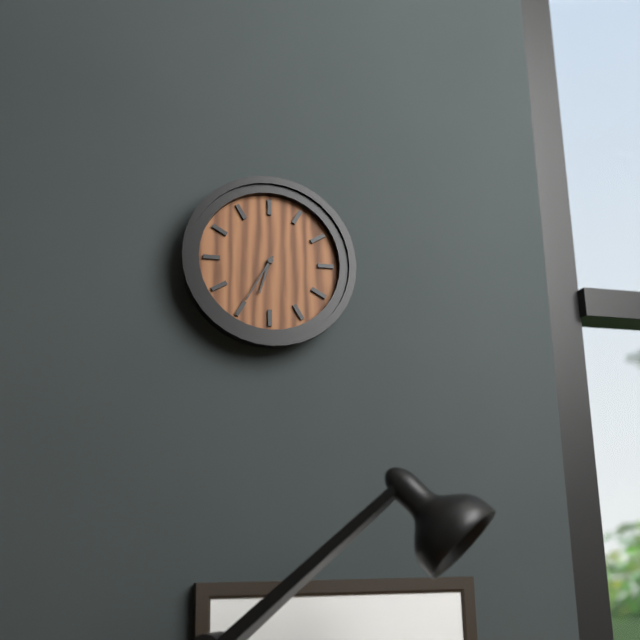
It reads 6 h 35 min
